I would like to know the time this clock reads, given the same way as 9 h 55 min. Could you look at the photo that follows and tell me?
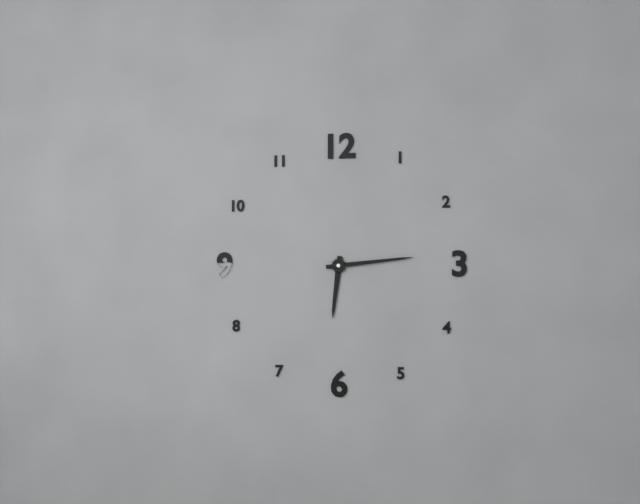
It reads 6 h 14 min
